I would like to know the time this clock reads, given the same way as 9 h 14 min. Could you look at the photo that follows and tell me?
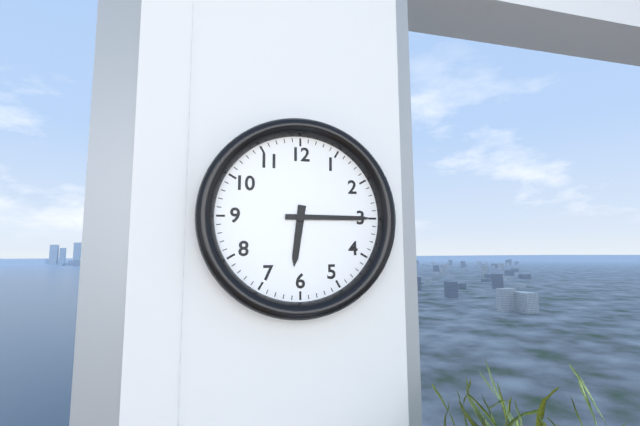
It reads 6 h 15 min
